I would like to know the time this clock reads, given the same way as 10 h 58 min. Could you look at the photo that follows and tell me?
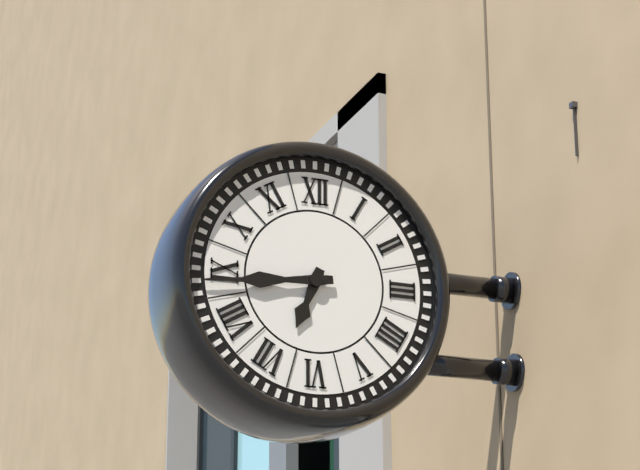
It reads 6 h 44 min
